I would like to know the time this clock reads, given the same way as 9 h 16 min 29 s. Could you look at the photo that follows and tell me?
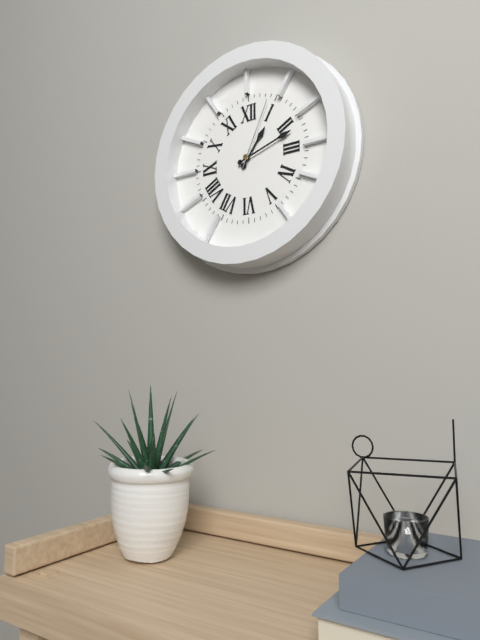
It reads 1 h 12 min 04 s
